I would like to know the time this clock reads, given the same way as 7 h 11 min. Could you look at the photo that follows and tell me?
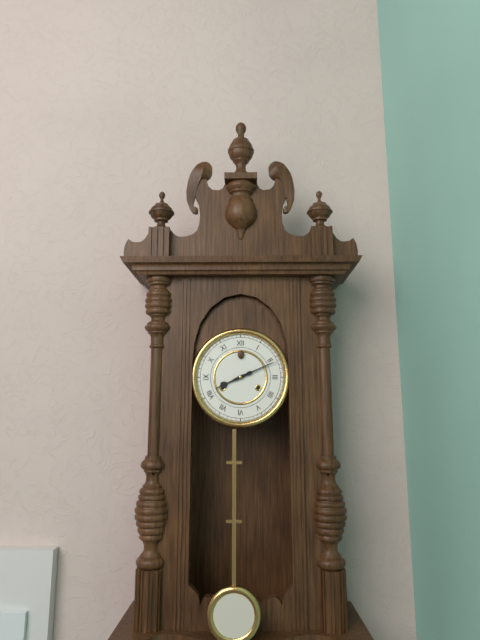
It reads 8 h 11 min
